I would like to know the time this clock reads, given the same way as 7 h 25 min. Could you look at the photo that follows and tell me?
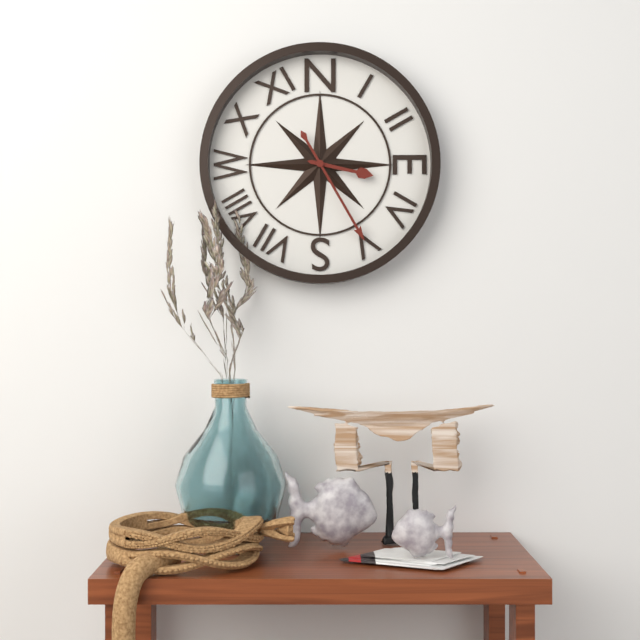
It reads 3 h 25 min
